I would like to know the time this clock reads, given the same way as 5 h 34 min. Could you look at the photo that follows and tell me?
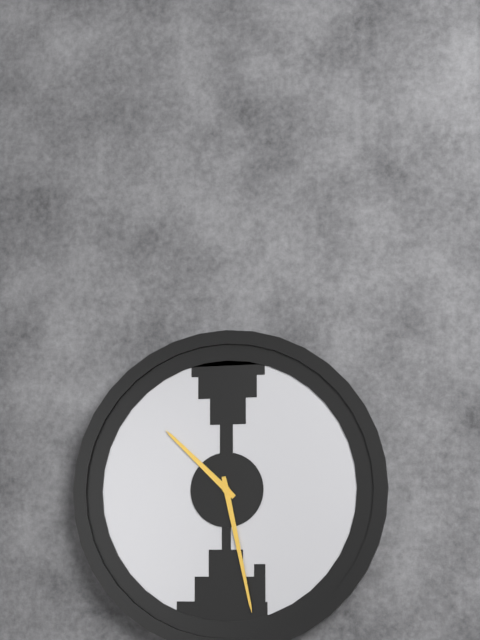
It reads 10 h 28 min
